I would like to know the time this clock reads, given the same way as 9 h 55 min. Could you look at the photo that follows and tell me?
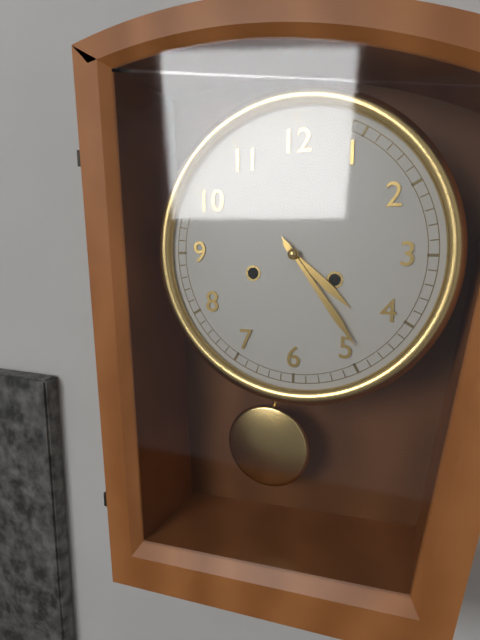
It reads 4 h 24 min
